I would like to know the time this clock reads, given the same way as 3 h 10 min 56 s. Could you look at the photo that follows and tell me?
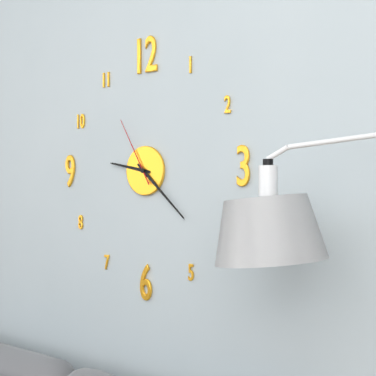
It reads 9 h 22 min 55 s
